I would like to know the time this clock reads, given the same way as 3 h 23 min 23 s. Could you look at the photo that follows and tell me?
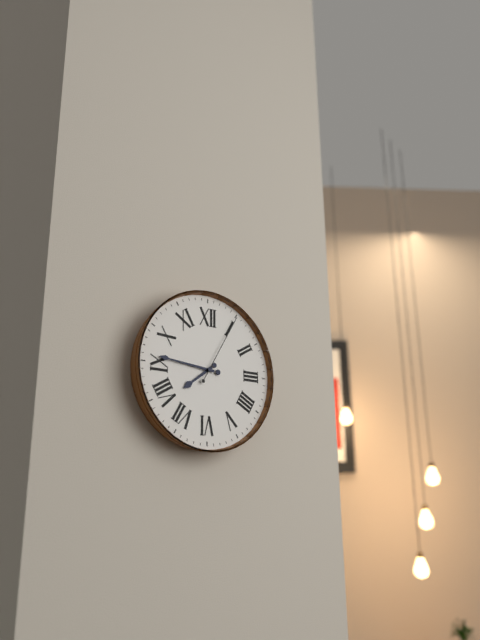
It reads 7 h 46 min 05 s
